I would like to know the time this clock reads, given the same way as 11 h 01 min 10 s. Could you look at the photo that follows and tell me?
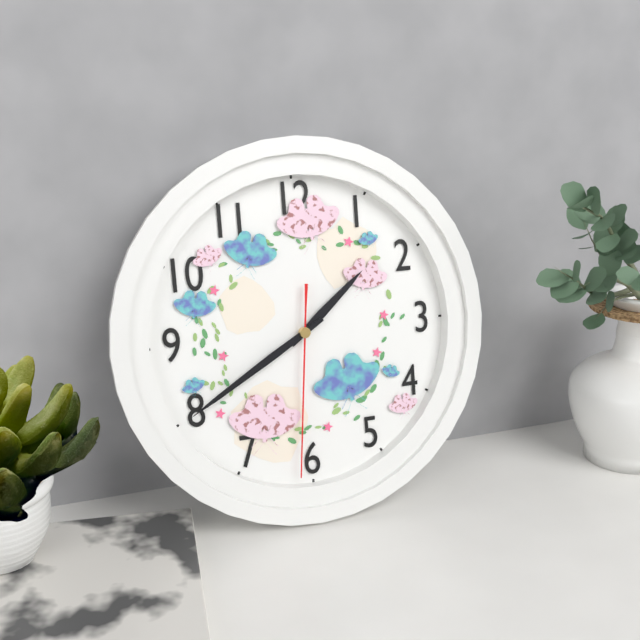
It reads 1 h 40 min 31 s
